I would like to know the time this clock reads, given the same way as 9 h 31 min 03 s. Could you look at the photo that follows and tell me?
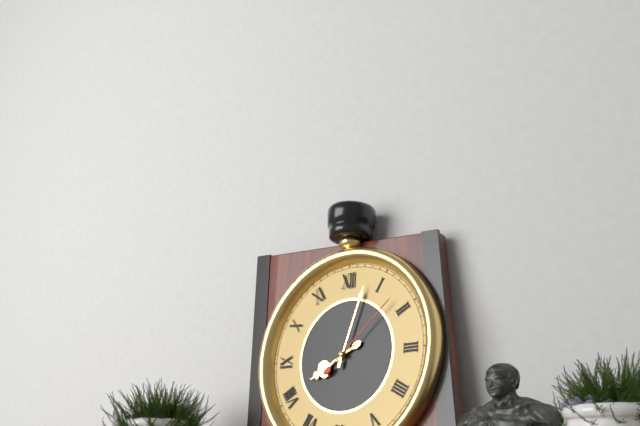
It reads 8 h 03 min 08 s
